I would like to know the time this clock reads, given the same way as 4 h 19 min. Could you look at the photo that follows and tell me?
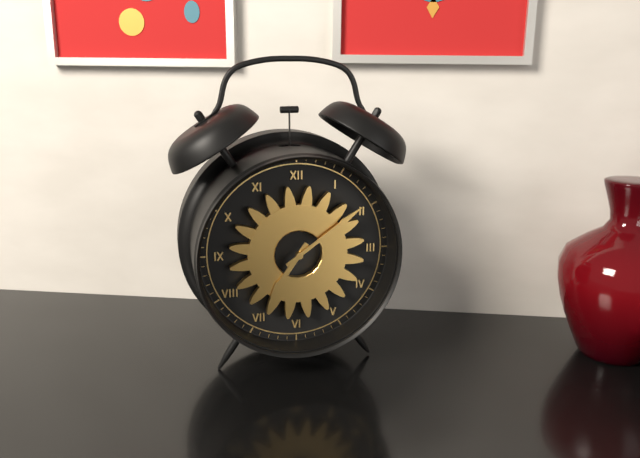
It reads 7 h 09 min
